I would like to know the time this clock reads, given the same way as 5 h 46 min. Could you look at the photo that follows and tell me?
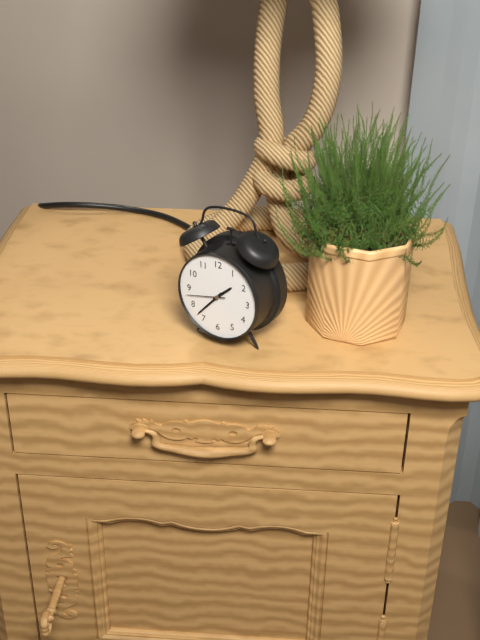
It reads 1 h 37 min
